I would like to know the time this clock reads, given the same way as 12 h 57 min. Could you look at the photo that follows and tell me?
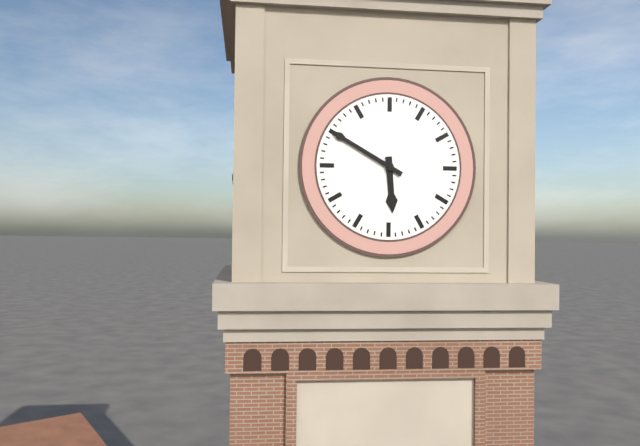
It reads 5 h 50 min
